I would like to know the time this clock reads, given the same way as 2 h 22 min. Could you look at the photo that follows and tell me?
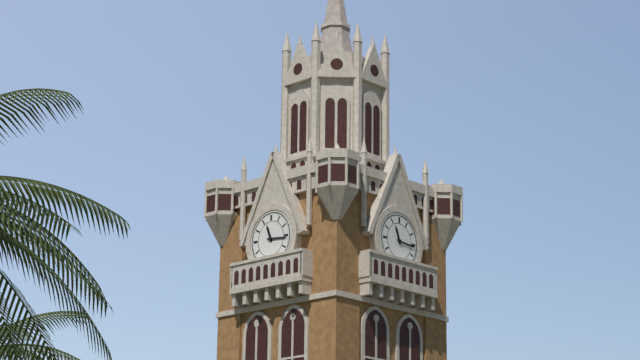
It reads 11 h 16 min
